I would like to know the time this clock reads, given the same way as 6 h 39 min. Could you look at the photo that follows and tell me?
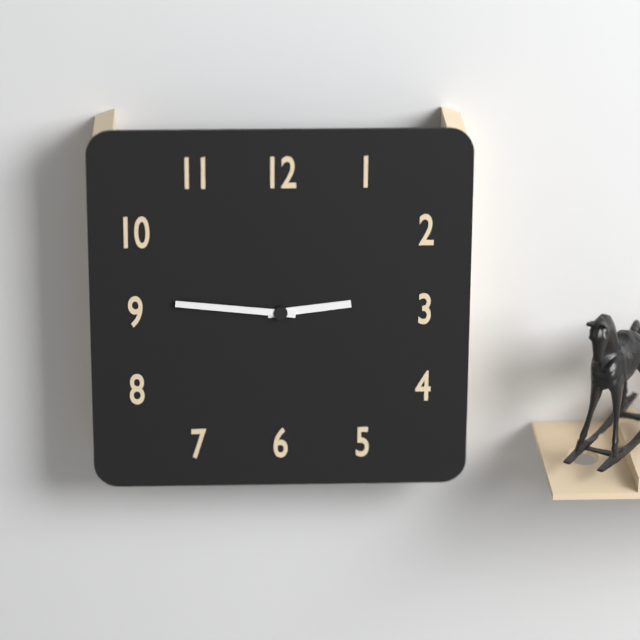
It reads 2 h 46 min
